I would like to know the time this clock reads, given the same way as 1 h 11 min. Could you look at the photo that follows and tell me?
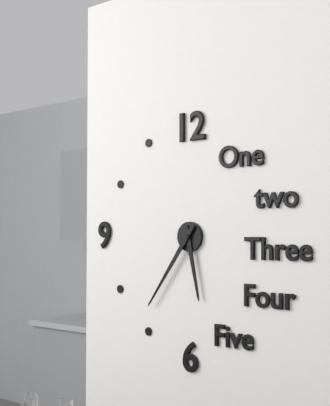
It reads 5 h 36 min
